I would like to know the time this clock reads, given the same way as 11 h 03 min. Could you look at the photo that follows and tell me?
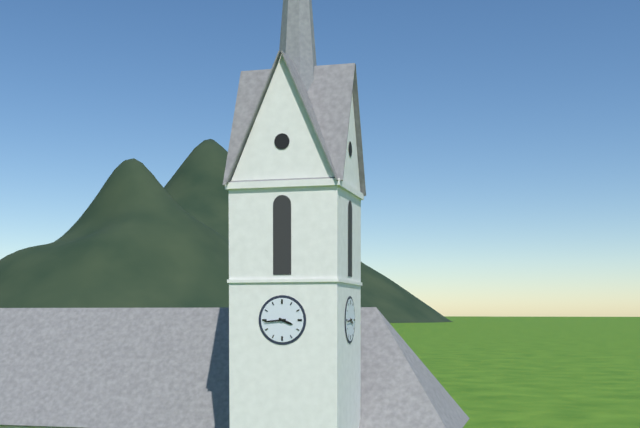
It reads 3 h 44 min
